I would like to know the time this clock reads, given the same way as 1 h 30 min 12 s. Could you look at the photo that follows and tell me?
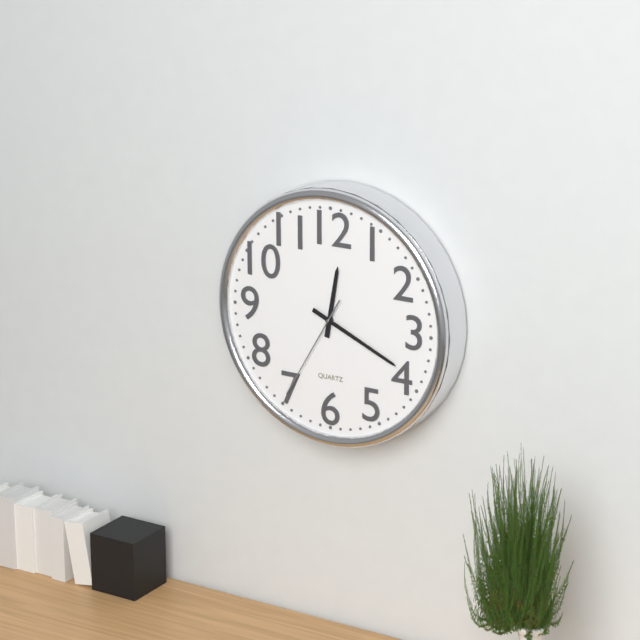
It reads 12 h 19 min 35 s
